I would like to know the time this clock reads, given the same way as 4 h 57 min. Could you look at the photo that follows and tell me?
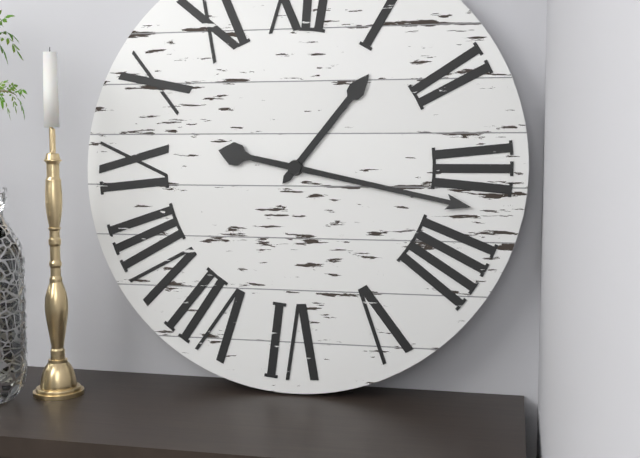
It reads 1 h 17 min
